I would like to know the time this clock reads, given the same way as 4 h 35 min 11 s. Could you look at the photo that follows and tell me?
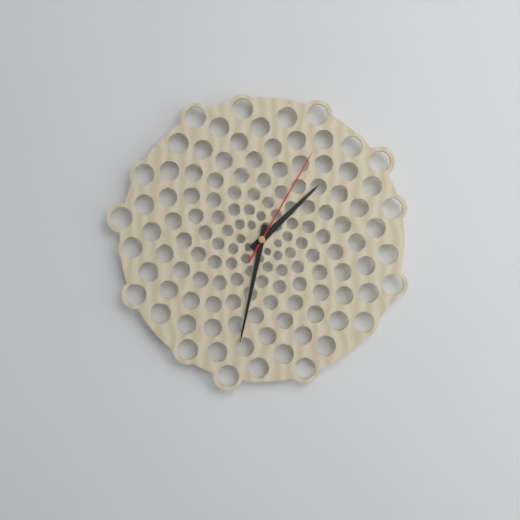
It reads 1 h 32 min 05 s
